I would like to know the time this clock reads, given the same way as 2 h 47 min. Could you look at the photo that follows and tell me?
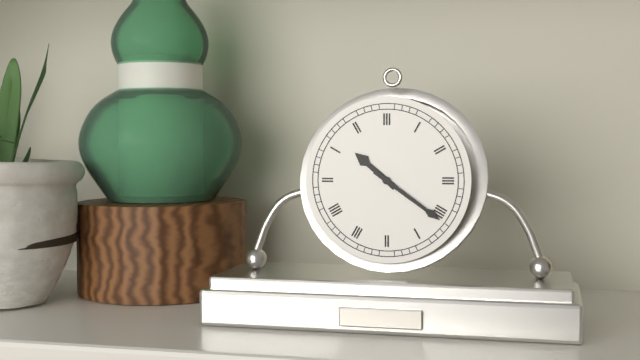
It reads 10 h 21 min
